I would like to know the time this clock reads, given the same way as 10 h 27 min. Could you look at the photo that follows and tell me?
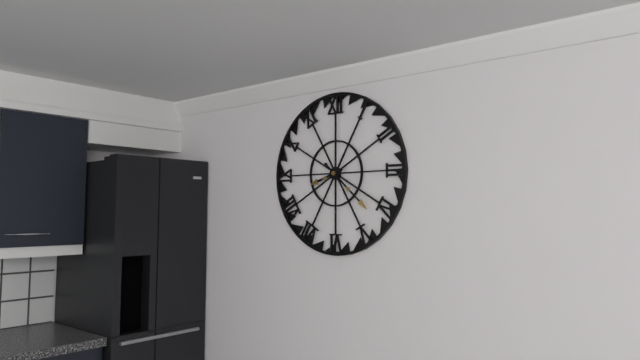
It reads 8 h 22 min
